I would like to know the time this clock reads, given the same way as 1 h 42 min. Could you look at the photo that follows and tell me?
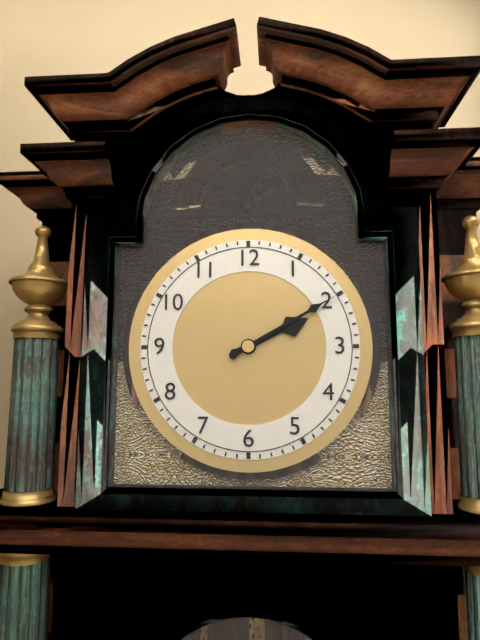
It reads 2 h 10 min
